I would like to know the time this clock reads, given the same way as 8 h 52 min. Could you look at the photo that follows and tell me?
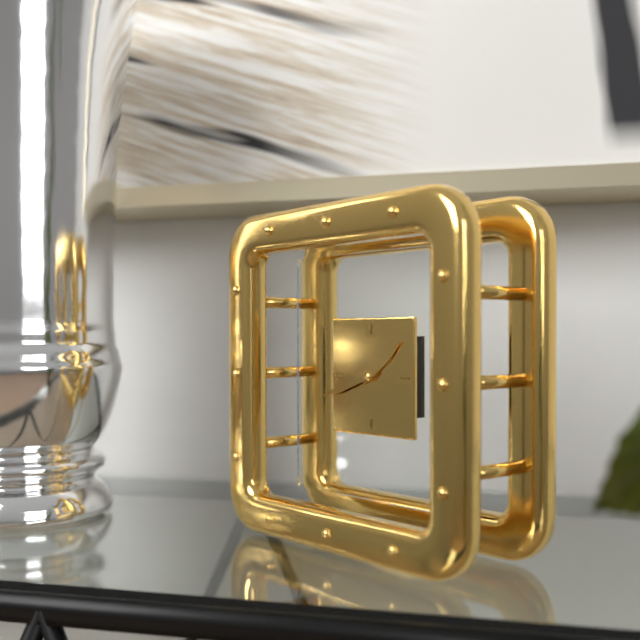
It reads 1 h 42 min
